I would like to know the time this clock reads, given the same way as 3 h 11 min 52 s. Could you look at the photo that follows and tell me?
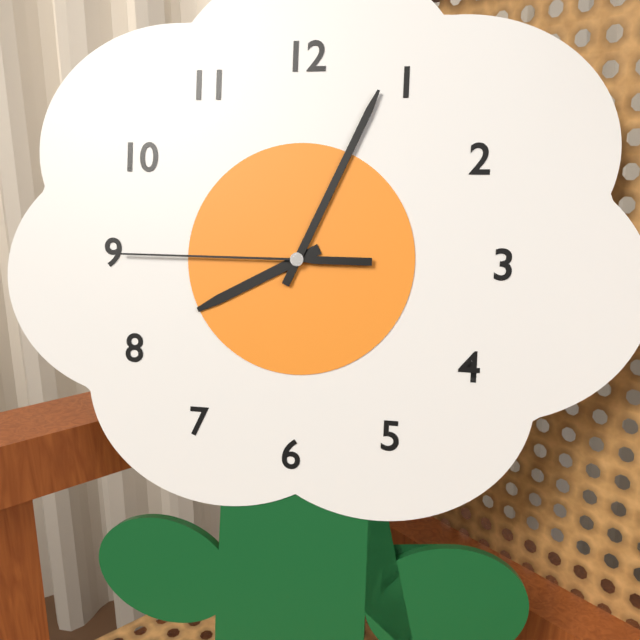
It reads 8 h 04 min 45 s
